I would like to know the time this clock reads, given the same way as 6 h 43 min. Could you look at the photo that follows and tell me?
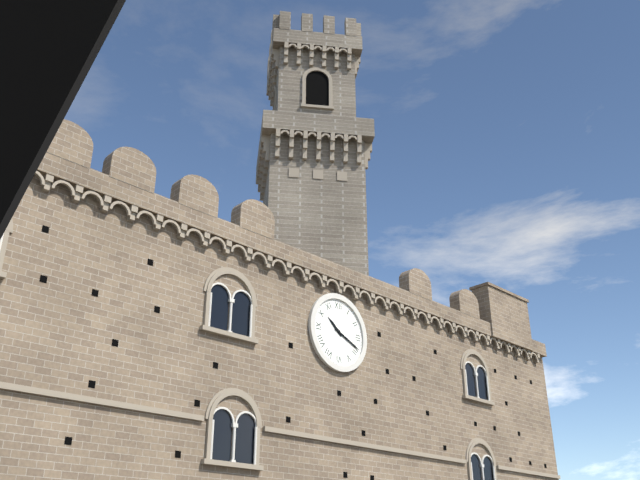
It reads 10 h 19 min
